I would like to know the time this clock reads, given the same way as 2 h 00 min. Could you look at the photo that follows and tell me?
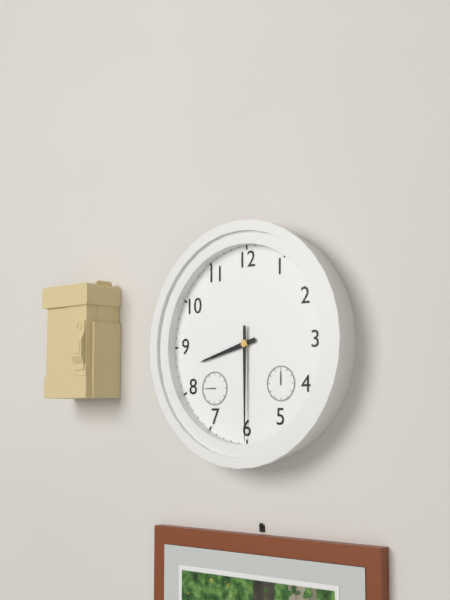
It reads 8 h 30 min
